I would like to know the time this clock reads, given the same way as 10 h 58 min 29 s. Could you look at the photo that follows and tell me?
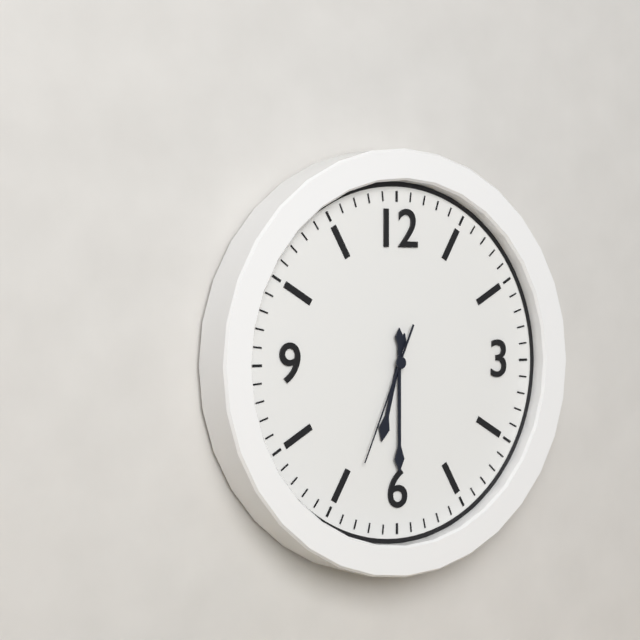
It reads 6 h 30 min 34 s
